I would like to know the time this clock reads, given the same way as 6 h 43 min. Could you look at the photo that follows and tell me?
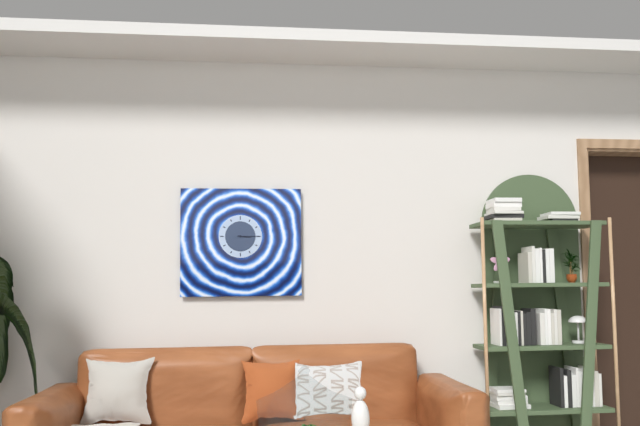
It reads 3 h 15 min
